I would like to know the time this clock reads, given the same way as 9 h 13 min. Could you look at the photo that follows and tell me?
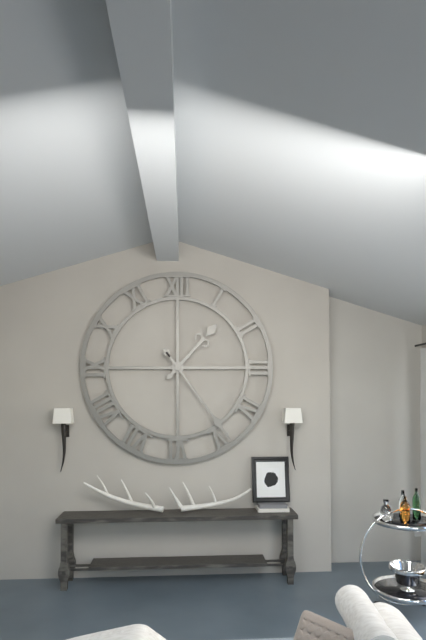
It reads 1 h 24 min
